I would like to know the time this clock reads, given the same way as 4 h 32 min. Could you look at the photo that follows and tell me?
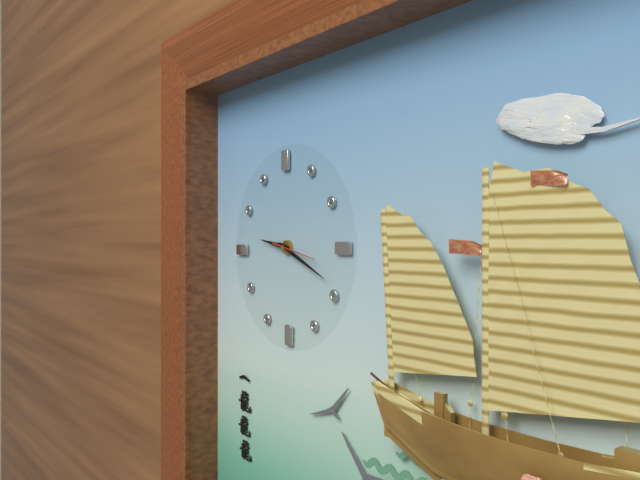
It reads 9 h 19 min
